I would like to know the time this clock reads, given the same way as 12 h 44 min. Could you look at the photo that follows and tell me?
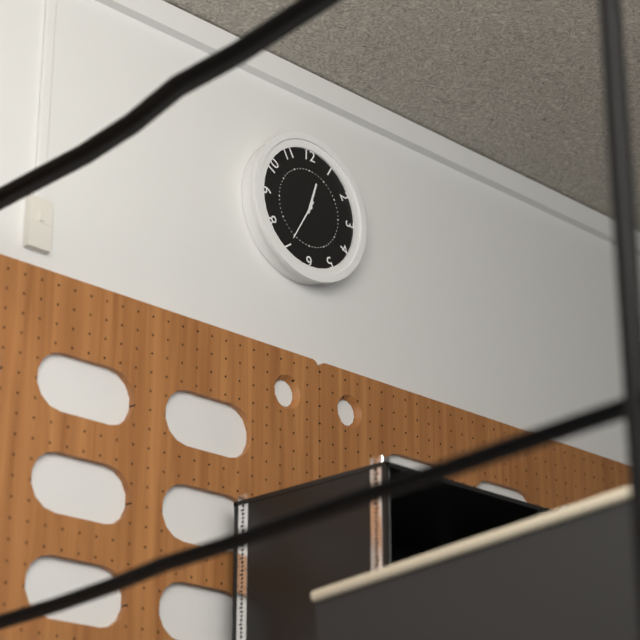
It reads 12 h 35 min
